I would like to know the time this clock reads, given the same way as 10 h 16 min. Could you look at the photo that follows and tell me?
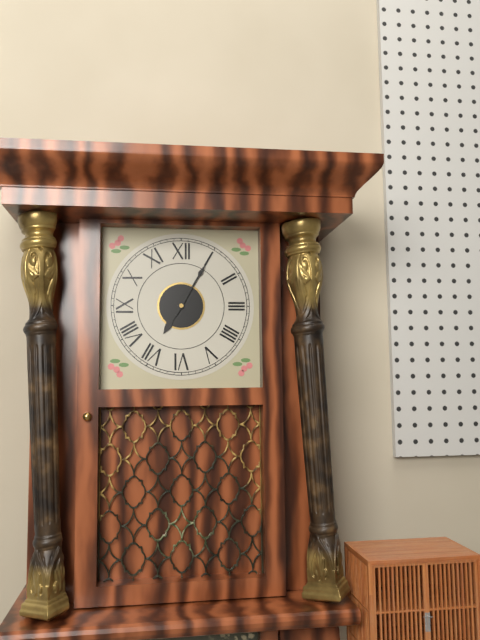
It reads 7 h 05 min
